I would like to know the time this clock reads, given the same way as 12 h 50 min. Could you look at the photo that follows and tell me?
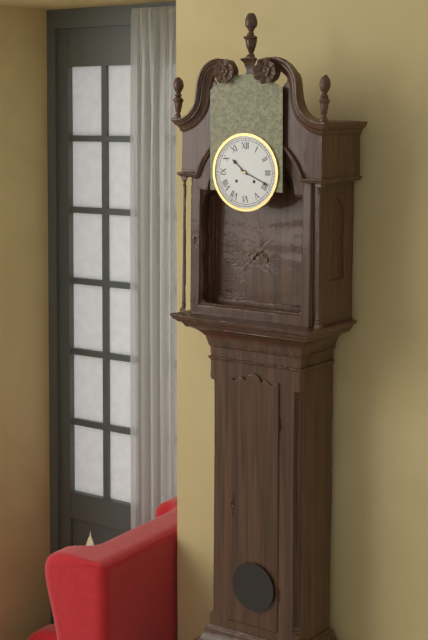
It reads 10 h 19 min
